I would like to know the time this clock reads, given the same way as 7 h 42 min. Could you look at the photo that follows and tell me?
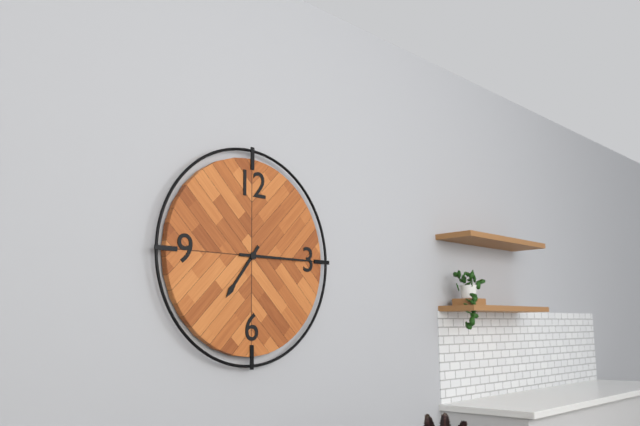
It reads 7 h 15 min
